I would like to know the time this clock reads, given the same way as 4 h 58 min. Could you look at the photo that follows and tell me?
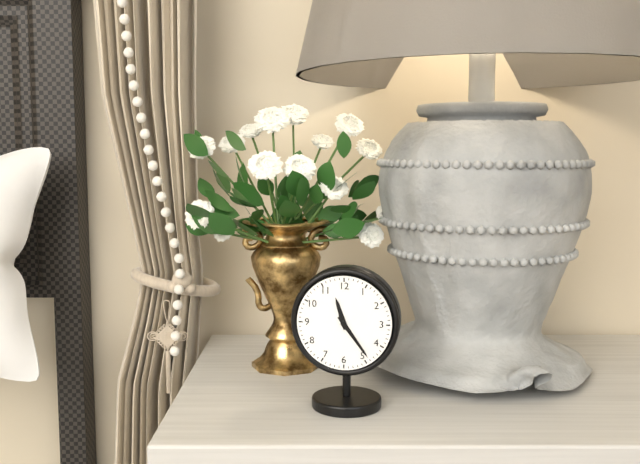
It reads 11 h 24 min
